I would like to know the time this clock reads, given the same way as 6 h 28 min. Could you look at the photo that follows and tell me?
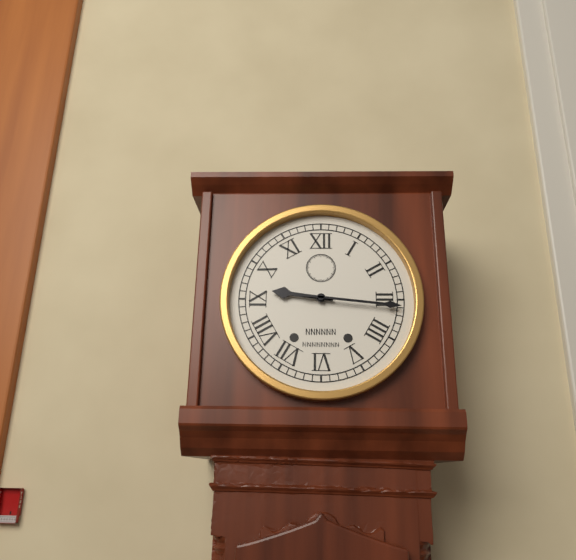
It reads 9 h 16 min
